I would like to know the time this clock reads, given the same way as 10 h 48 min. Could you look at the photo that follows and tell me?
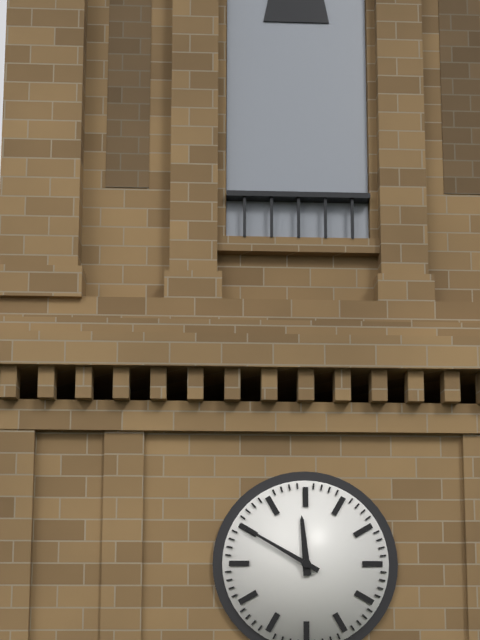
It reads 11 h 50 min
